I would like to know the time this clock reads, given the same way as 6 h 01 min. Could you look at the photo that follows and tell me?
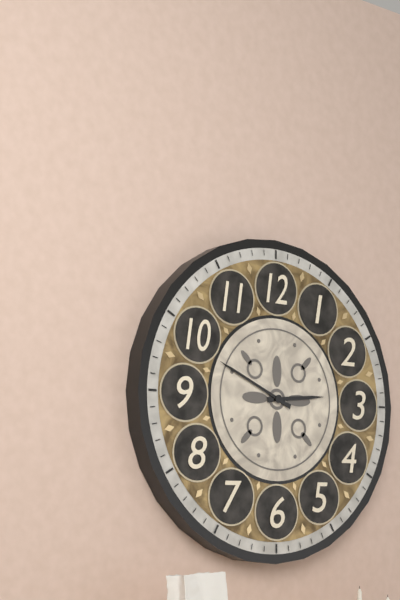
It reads 2 h 49 min
